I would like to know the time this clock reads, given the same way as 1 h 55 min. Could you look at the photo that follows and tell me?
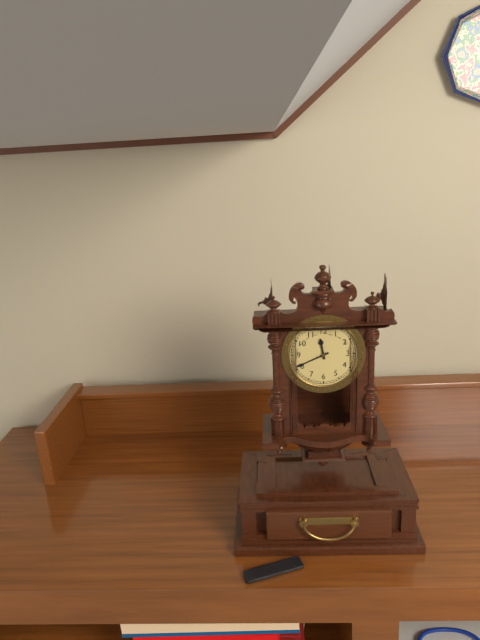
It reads 11 h 41 min
